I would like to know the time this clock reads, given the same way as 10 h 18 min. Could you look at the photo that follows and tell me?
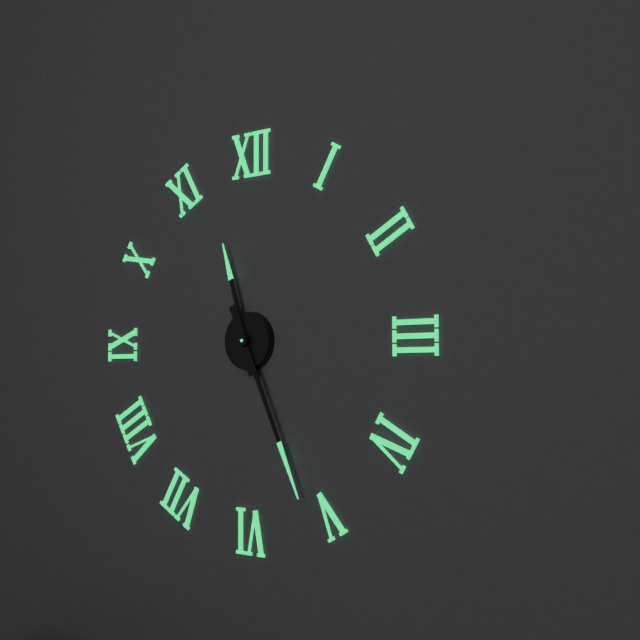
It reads 11 h 26 min
